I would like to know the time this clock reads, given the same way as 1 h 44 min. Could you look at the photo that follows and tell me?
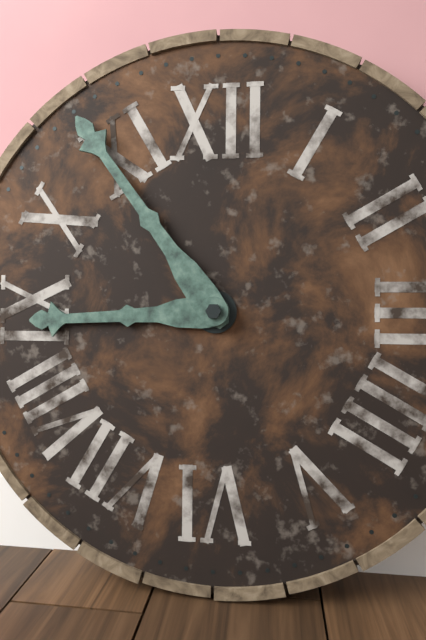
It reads 8 h 54 min
